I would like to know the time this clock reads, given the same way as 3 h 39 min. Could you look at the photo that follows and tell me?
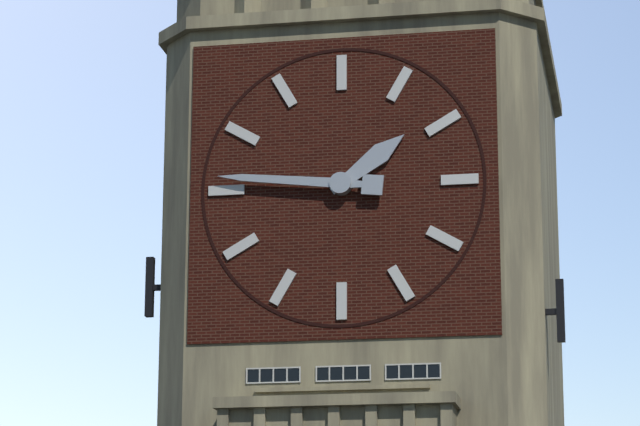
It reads 1 h 46 min
